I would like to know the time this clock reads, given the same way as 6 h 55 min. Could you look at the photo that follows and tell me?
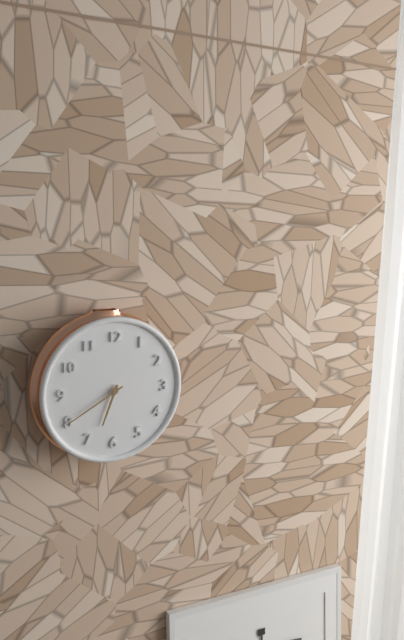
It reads 6 h 40 min
